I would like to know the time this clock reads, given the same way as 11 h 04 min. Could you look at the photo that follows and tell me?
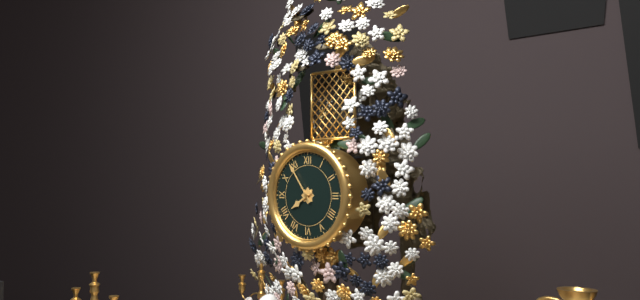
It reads 7 h 54 min
